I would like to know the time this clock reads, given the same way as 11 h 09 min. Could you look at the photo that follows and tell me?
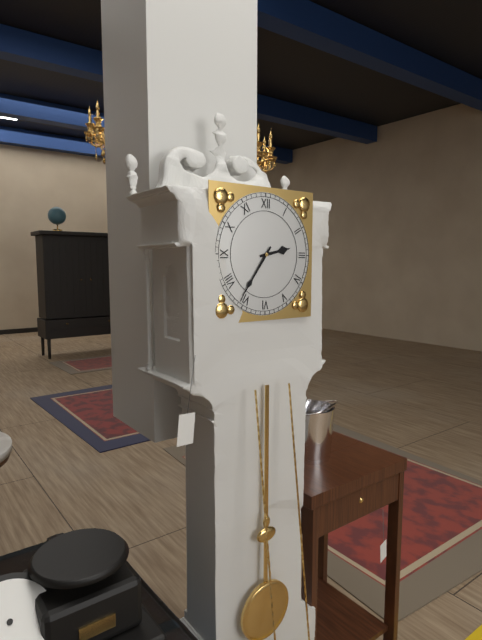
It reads 2 h 36 min
